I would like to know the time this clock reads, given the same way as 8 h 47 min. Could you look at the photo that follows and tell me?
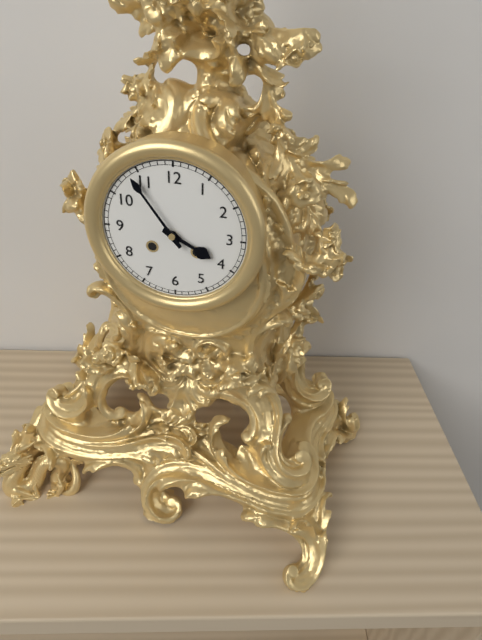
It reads 3 h 54 min
